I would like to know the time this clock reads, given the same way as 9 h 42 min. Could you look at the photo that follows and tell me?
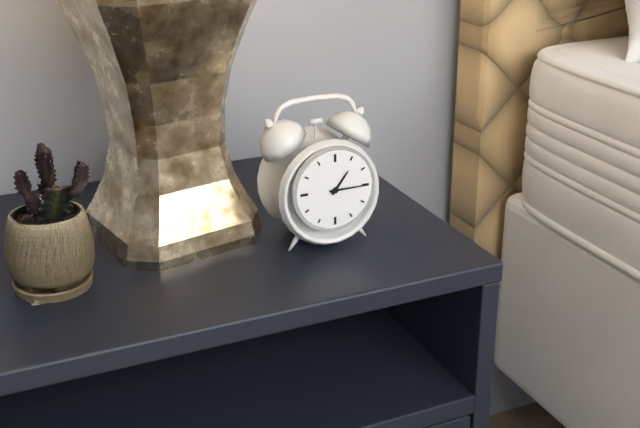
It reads 1 h 15 min
